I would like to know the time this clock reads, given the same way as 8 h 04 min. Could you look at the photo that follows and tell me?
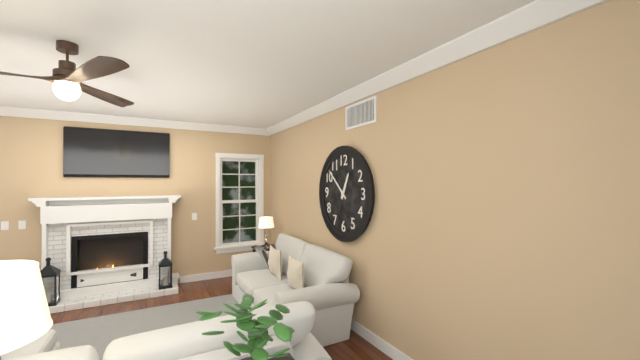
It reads 12 h 52 min
